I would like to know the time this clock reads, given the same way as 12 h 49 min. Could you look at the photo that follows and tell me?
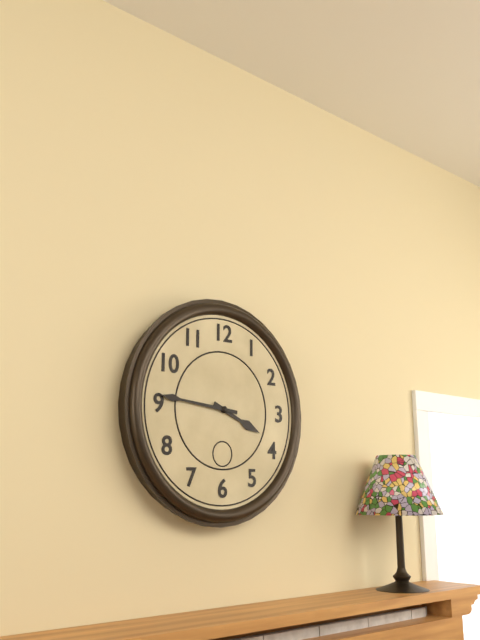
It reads 3 h 46 min
